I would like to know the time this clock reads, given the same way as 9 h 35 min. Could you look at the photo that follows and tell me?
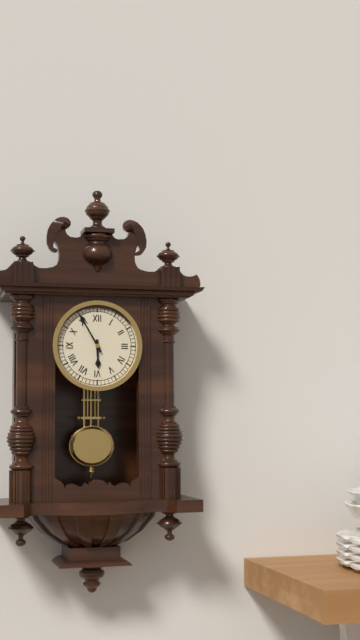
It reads 5 h 55 min
